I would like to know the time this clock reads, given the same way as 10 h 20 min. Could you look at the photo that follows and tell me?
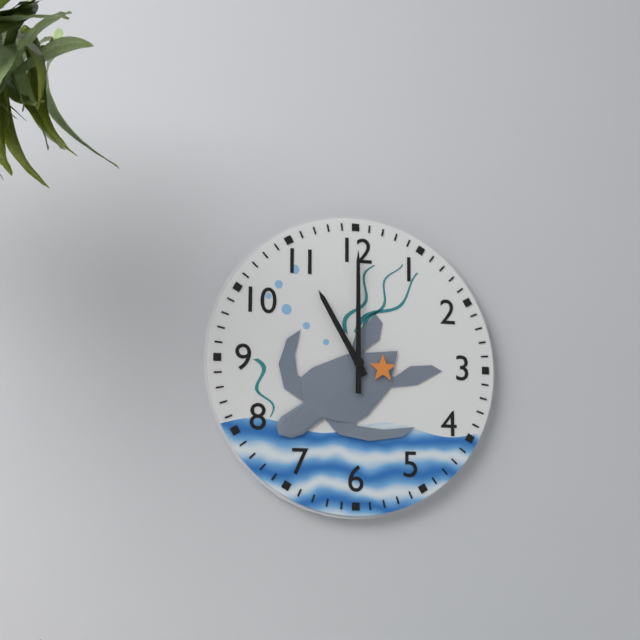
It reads 11 h 00 min
